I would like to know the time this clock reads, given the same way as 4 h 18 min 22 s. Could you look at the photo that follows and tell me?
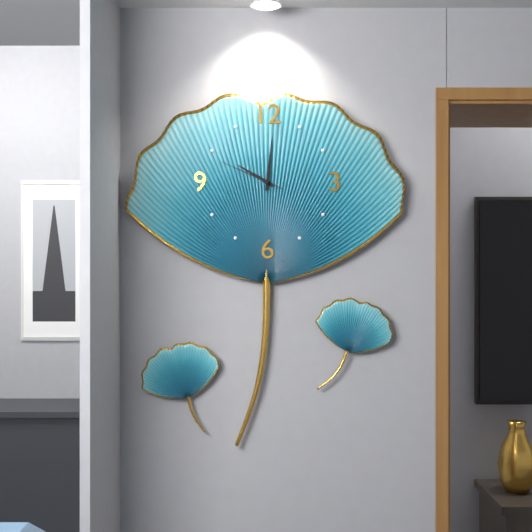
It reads 10 h 01 min 49 s
